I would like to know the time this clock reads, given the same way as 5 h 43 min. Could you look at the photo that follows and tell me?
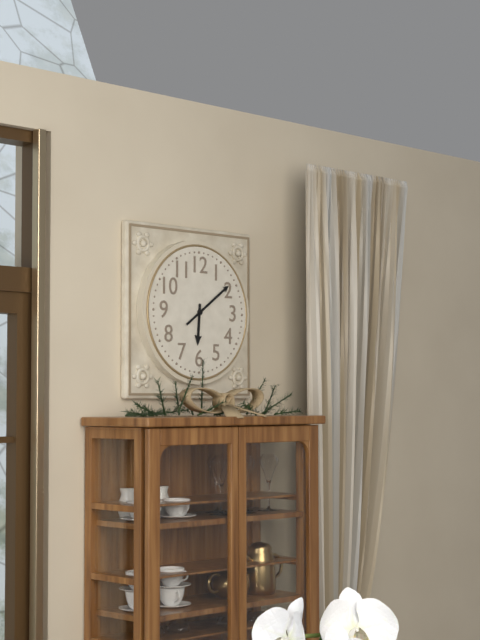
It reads 6 h 09 min
